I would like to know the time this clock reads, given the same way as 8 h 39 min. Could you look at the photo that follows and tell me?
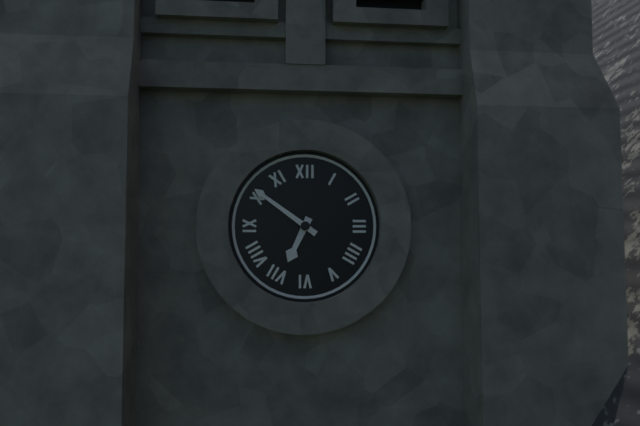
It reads 6 h 51 min
